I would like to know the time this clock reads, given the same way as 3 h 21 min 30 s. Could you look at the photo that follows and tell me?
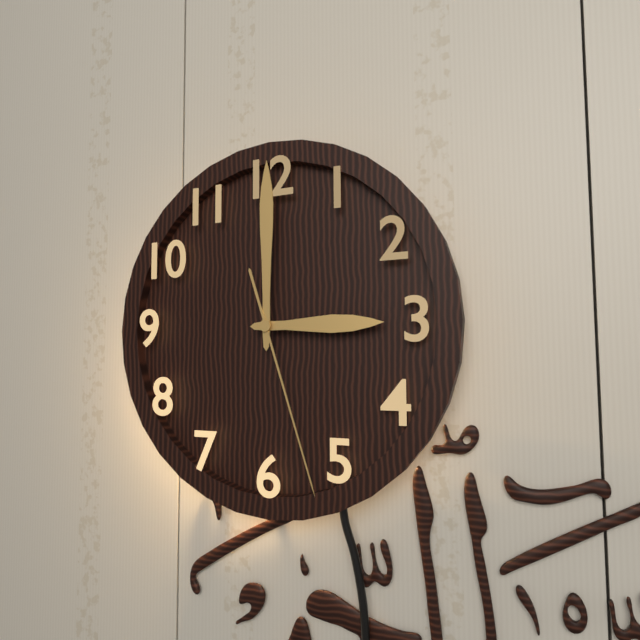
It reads 3 h 00 min 27 s
